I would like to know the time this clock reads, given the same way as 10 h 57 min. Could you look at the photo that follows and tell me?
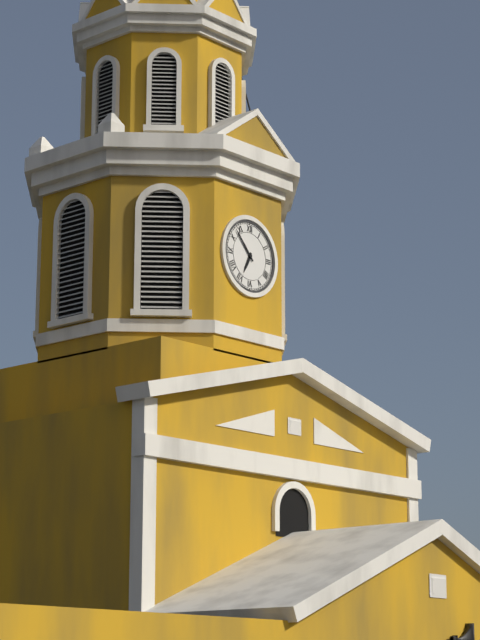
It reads 6 h 53 min
